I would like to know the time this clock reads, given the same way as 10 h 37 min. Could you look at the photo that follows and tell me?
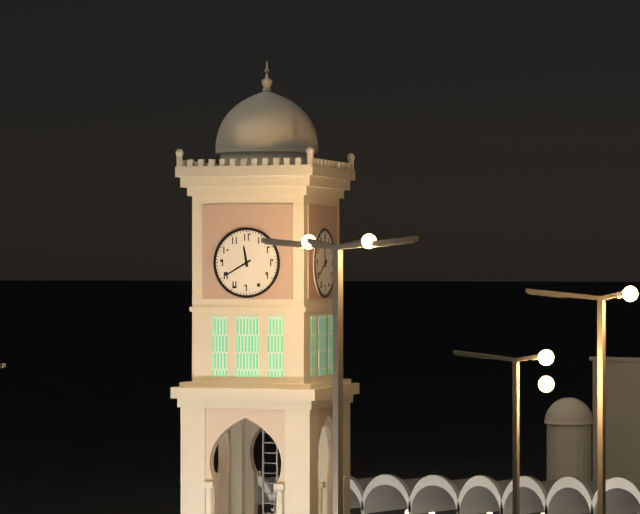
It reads 11 h 40 min
